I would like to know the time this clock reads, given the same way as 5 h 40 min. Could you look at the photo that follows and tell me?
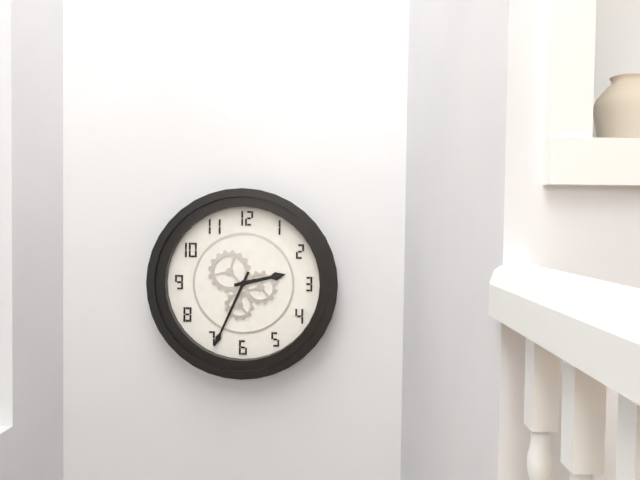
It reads 2 h 34 min
